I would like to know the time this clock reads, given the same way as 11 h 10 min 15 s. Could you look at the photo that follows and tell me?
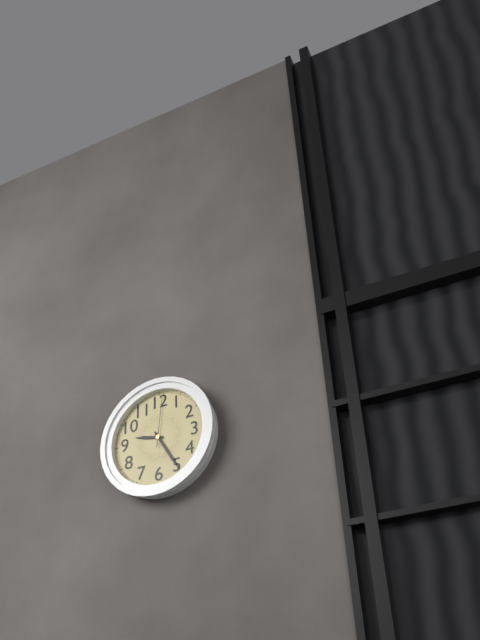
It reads 9 h 25 min 01 s
